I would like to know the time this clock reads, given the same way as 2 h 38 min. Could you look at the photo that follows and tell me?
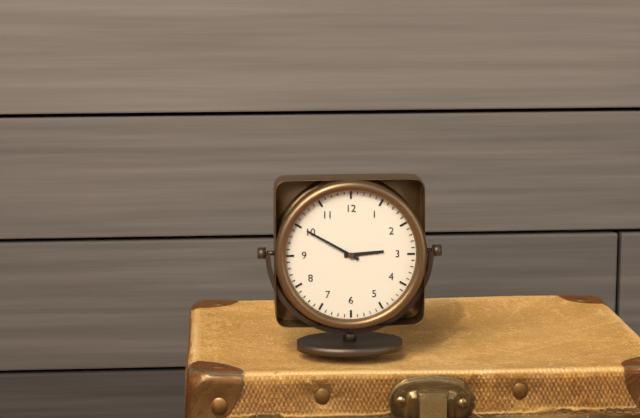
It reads 2 h 50 min
